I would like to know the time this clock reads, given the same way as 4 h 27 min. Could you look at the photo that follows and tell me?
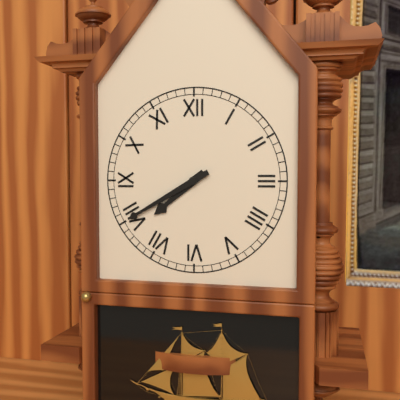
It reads 7 h 40 min
